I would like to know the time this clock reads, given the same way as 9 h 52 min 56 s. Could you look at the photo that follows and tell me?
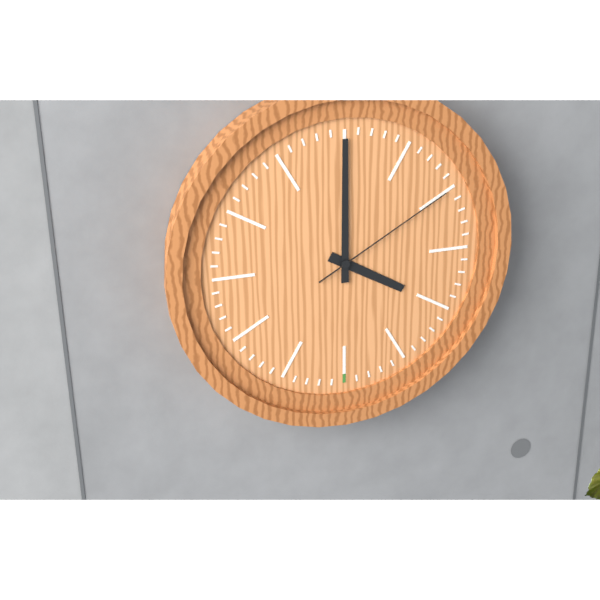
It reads 4 h 00 min 10 s
